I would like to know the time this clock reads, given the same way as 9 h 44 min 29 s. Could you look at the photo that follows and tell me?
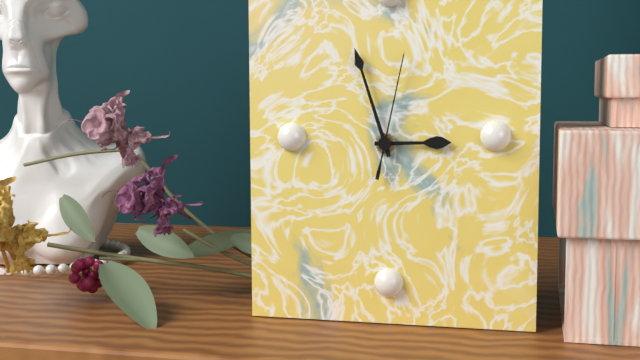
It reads 2 h 57 min 02 s
